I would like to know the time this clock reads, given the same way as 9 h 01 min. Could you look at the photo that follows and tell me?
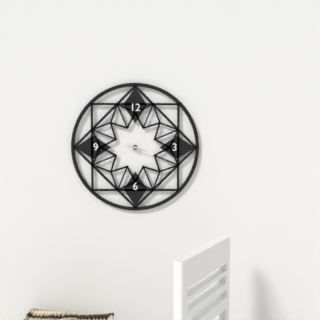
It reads 9 h 18 min
